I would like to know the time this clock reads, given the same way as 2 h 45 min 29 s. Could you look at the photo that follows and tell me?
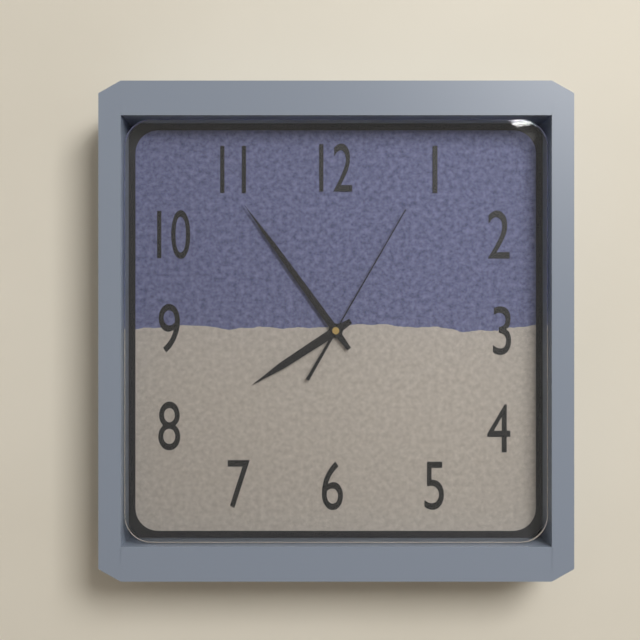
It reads 7 h 54 min 05 s
